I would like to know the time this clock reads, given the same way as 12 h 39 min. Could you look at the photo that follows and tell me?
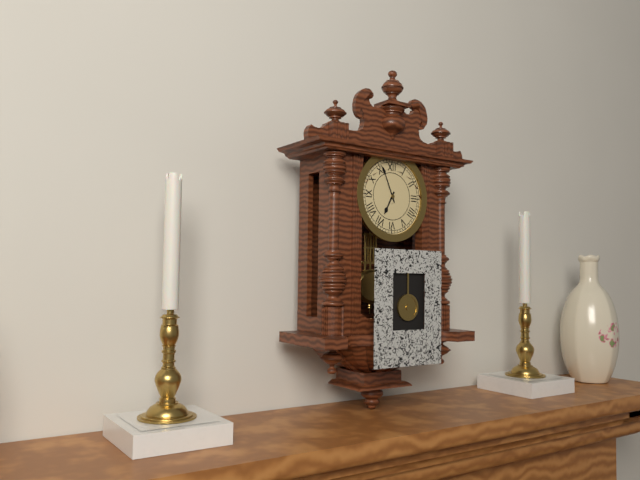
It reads 6 h 56 min
